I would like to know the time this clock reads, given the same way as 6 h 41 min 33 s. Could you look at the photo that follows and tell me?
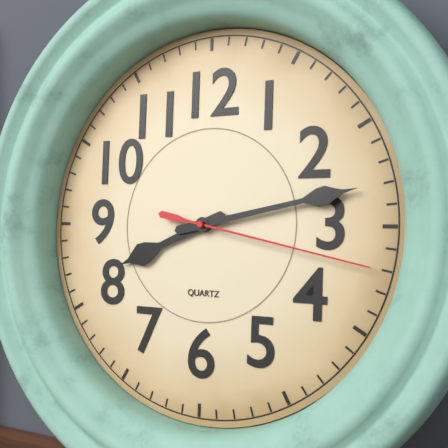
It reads 8 h 13 min 17 s
